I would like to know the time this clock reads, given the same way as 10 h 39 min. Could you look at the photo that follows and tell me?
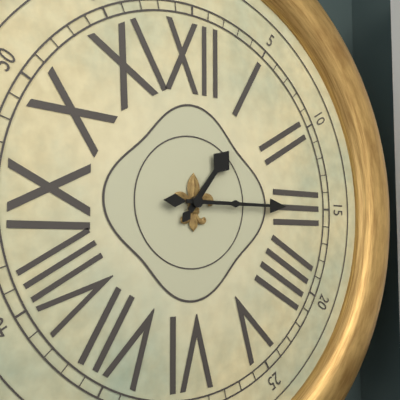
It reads 1 h 15 min
